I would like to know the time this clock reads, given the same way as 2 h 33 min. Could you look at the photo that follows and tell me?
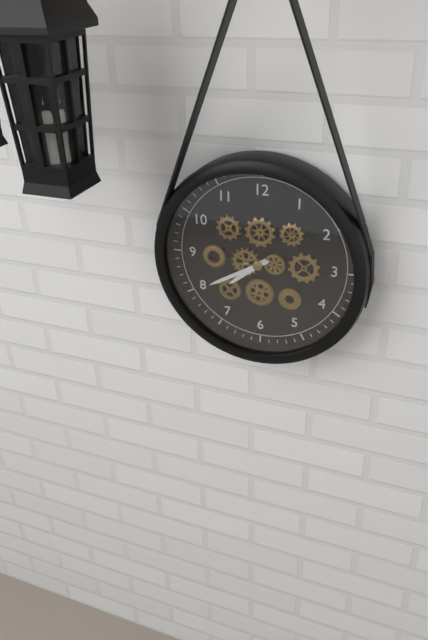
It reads 7 h 40 min
